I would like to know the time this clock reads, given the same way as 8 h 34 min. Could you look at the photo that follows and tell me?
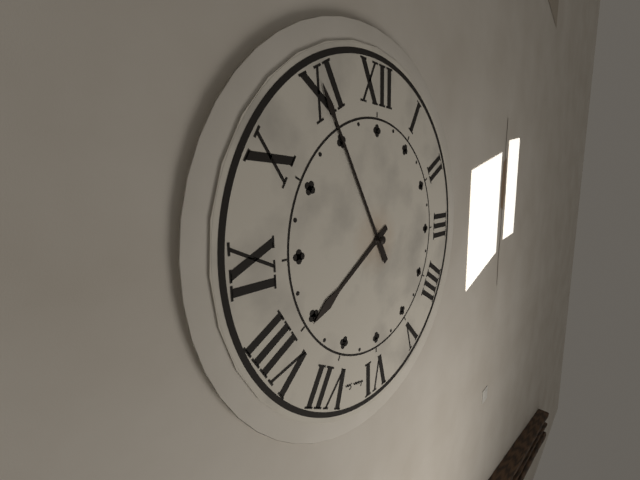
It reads 7 h 55 min
